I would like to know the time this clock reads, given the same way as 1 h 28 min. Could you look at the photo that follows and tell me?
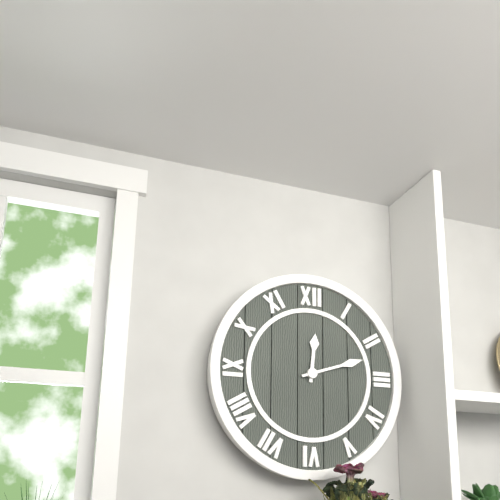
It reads 12 h 12 min
